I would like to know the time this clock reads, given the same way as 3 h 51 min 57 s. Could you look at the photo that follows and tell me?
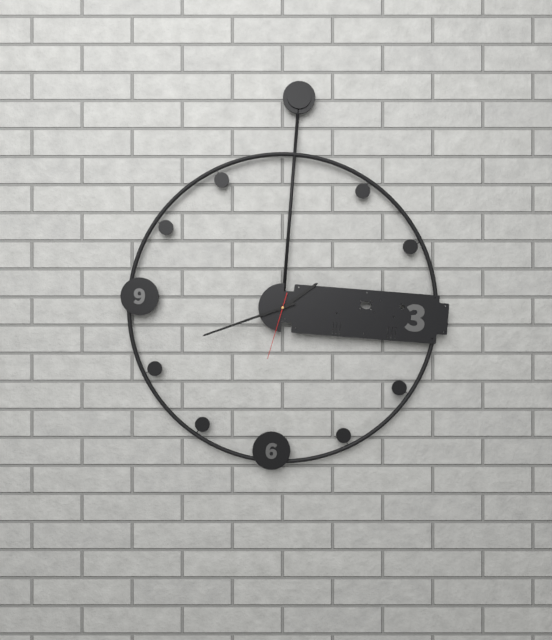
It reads 1 h 41 min 32 s
